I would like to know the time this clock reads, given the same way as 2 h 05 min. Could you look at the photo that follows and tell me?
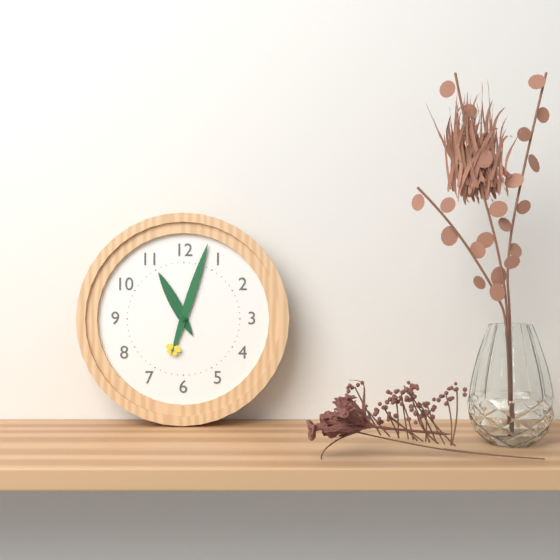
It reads 11 h 03 min
